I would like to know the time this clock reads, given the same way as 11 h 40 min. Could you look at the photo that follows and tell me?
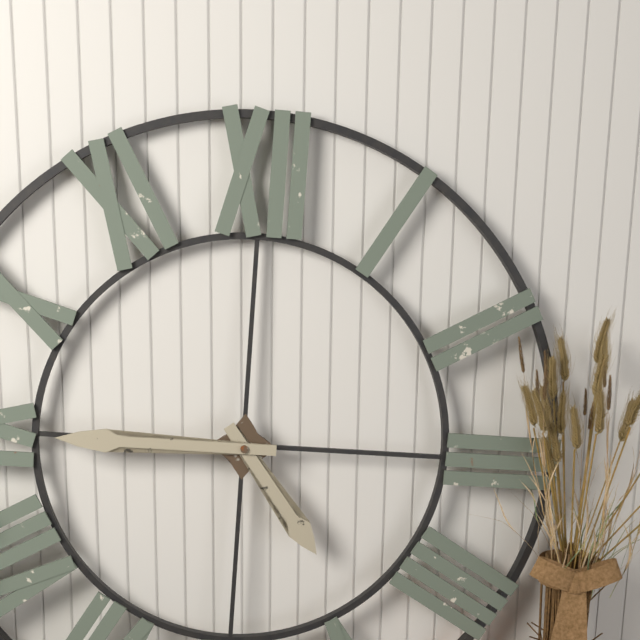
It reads 4 h 45 min
